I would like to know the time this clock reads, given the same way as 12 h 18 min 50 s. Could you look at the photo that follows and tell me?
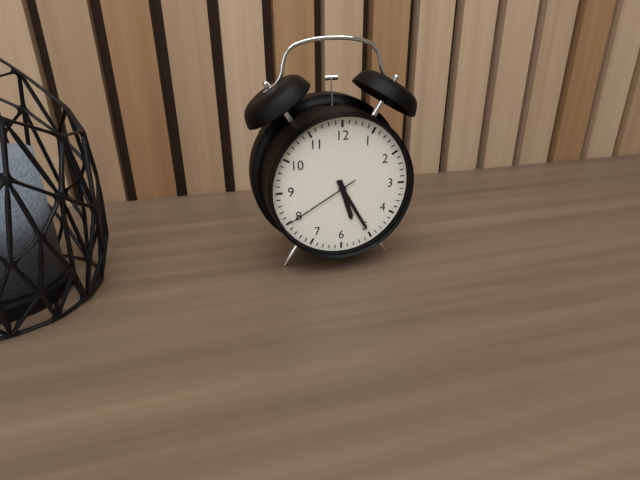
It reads 5 h 25 min 40 s
